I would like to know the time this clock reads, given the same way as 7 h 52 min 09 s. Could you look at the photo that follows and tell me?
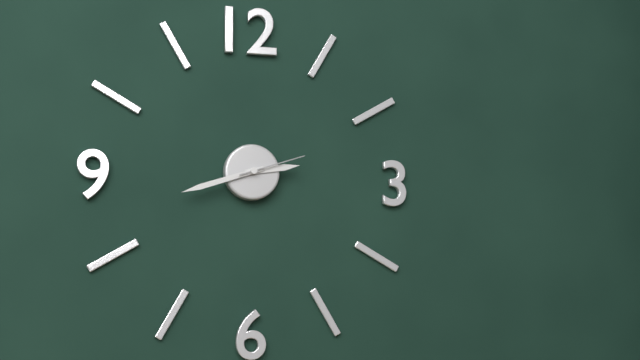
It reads 2 h 42 min 12 s
